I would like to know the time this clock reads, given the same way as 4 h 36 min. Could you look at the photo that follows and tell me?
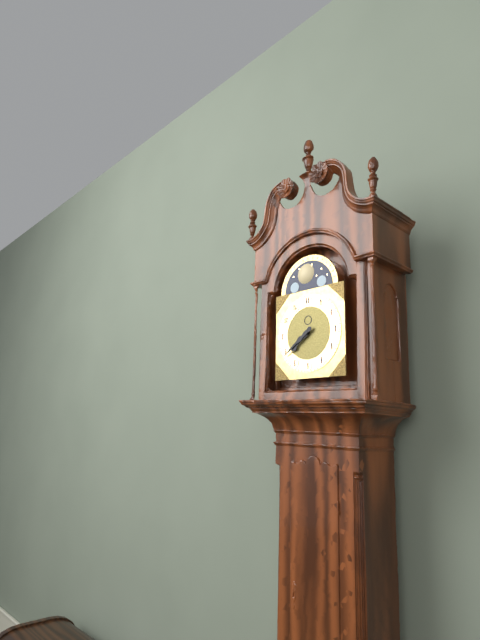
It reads 7 h 39 min
